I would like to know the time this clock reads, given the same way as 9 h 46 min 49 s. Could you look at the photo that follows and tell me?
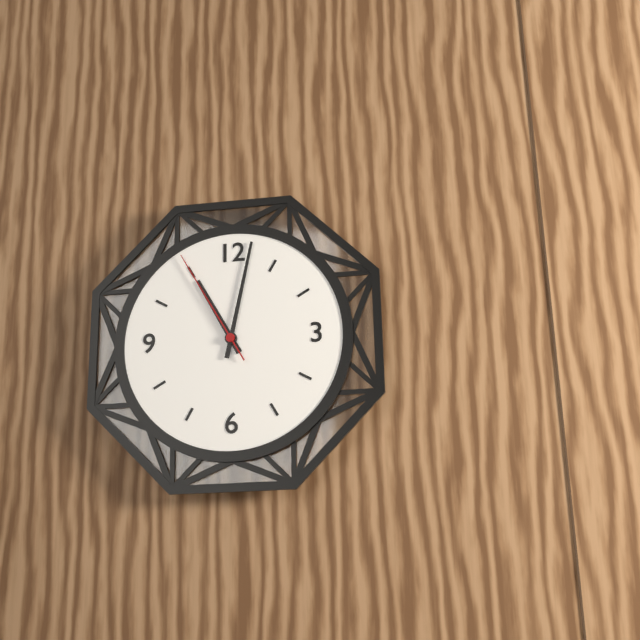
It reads 11 h 02 min 55 s
